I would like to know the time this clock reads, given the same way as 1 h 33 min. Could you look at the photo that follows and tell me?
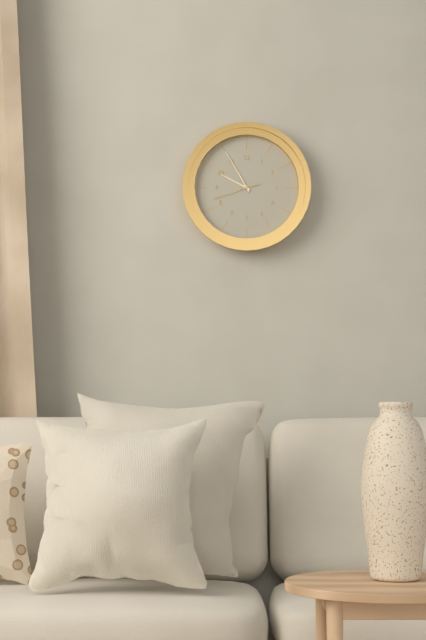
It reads 9 h 55 min
